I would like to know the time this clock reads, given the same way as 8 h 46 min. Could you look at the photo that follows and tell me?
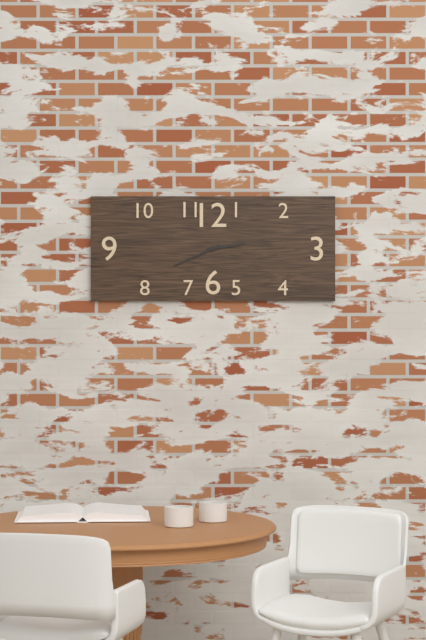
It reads 2 h 41 min
